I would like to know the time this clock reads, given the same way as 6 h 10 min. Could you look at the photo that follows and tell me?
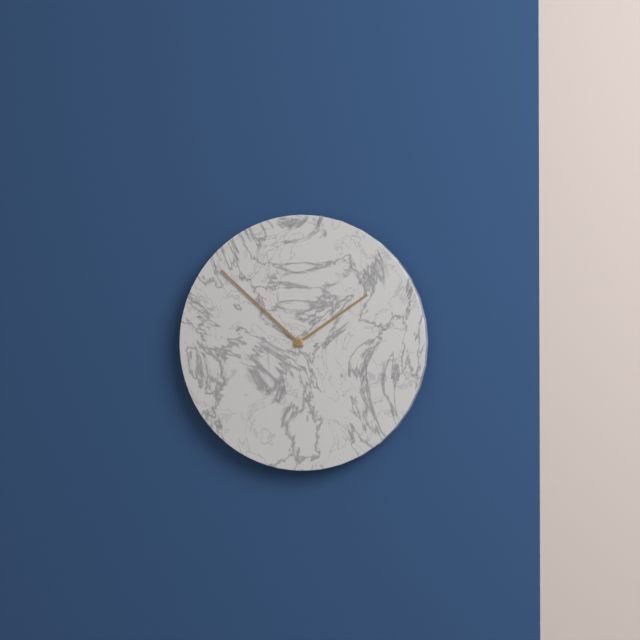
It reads 1 h 52 min
